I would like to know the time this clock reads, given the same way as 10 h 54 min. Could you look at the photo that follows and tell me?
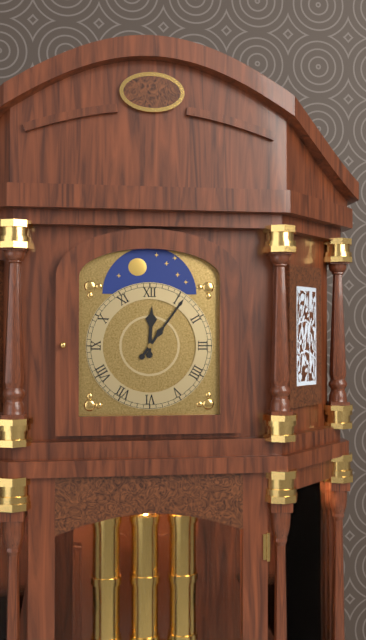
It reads 12 h 06 min
